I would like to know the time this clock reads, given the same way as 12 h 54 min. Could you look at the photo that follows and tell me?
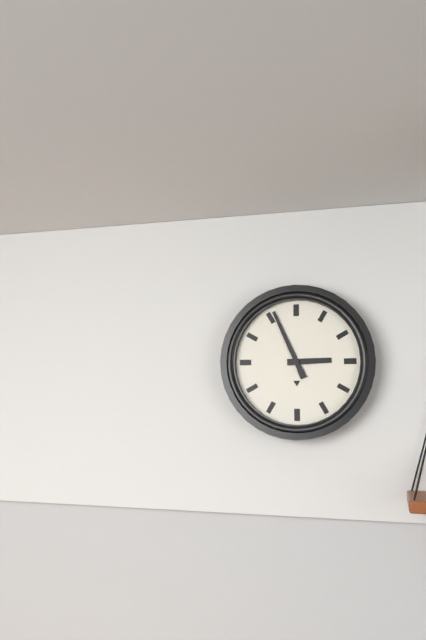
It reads 2 h 56 min
